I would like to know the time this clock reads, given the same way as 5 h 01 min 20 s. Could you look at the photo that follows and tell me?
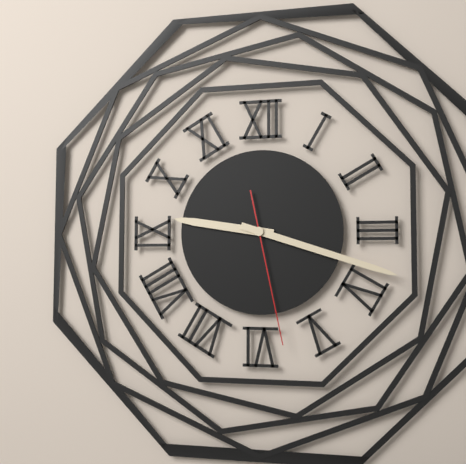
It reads 9 h 18 min 28 s
